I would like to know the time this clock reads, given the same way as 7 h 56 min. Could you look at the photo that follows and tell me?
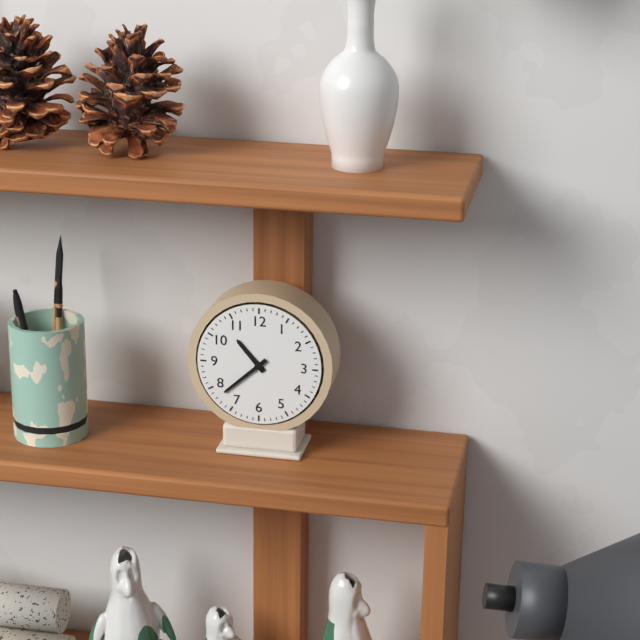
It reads 10 h 38 min
